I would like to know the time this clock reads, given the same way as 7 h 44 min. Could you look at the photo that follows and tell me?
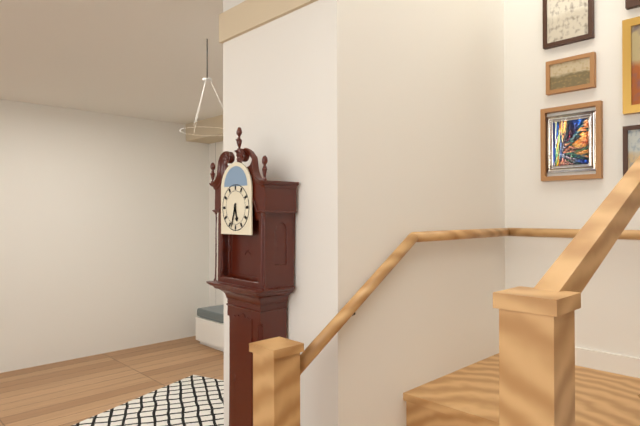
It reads 5 h 33 min
